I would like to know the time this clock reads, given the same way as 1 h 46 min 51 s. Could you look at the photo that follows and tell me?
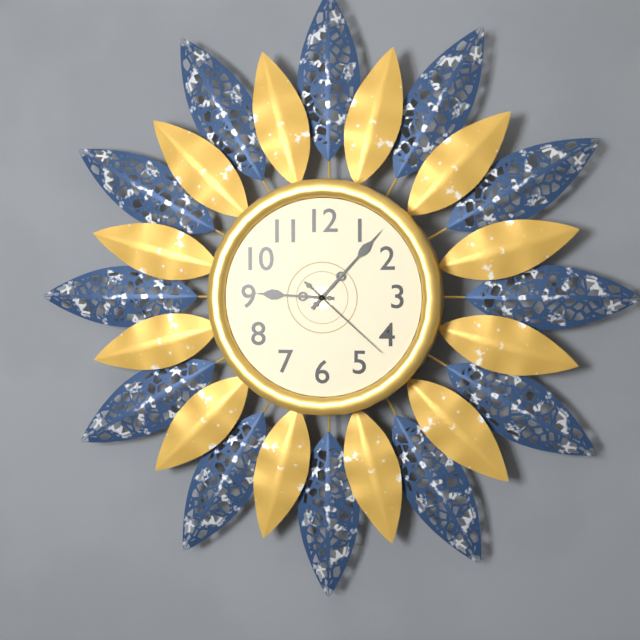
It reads 9 h 07 min 22 s
